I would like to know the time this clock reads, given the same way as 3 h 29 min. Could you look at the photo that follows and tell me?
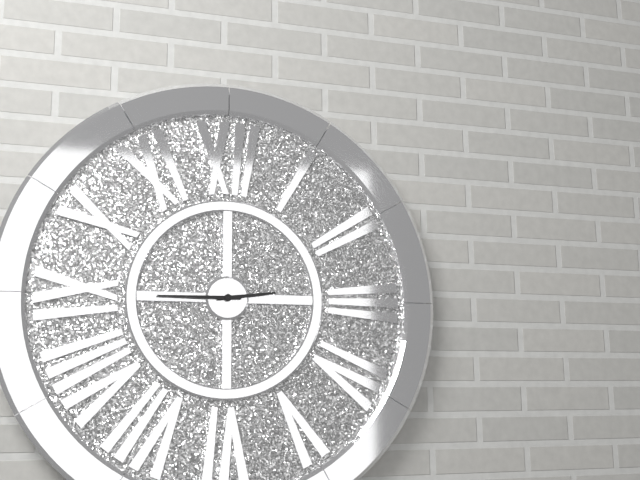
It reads 2 h 45 min
